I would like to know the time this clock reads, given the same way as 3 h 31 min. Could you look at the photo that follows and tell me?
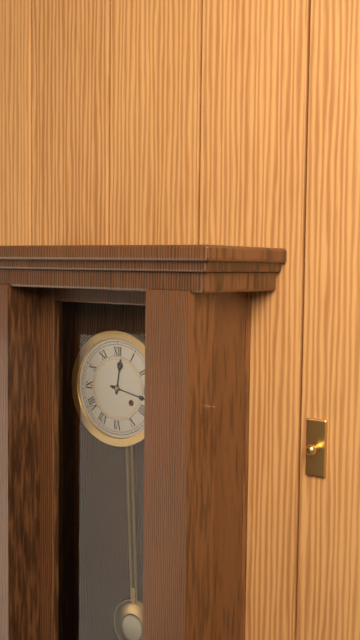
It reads 12 h 17 min
